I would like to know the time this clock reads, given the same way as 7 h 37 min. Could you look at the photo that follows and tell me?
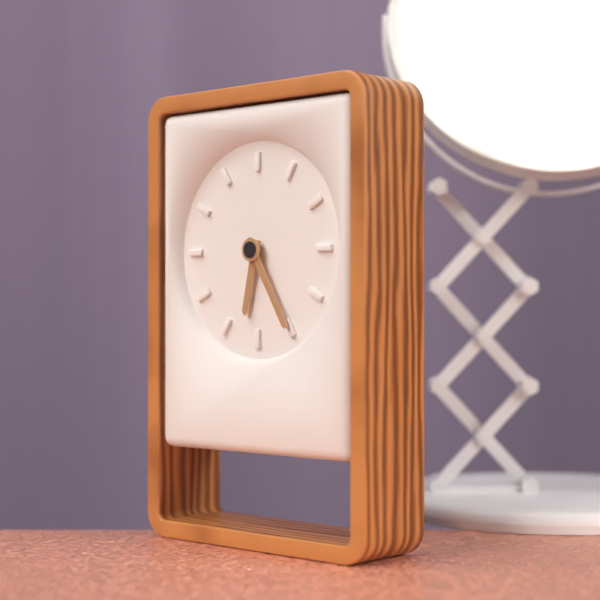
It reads 6 h 25 min
